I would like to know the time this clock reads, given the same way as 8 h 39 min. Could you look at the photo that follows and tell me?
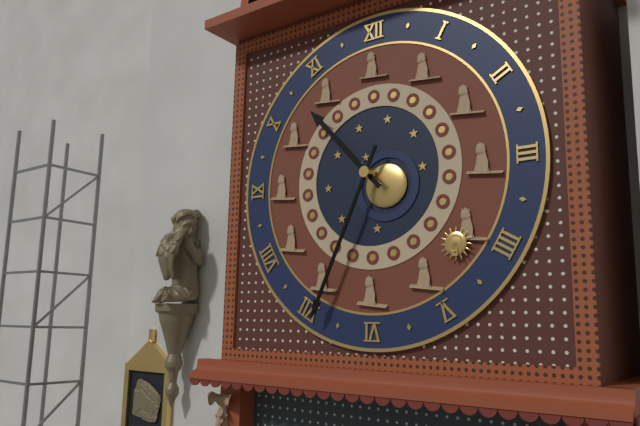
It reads 10 h 34 min
